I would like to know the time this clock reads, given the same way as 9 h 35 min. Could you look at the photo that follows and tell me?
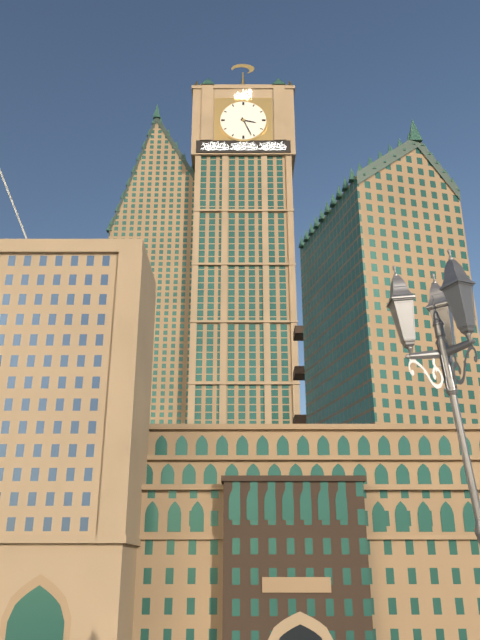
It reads 3 h 26 min
